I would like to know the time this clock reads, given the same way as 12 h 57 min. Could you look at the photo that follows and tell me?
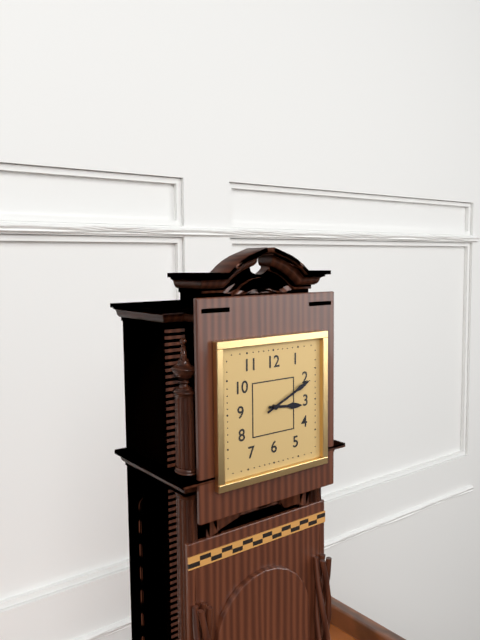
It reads 3 h 11 min
